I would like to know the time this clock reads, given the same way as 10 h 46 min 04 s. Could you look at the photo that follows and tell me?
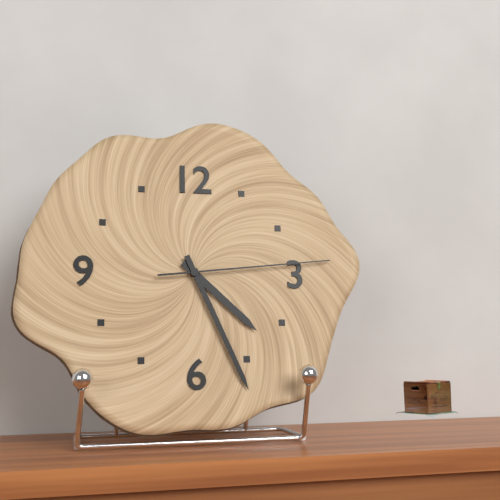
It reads 4 h 26 min 14 s
